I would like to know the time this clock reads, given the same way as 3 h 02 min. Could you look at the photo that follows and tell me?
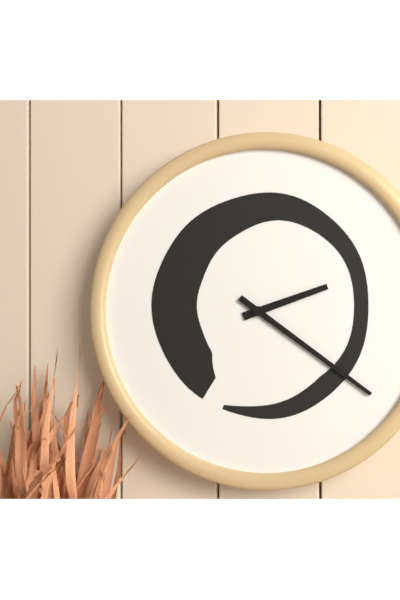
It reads 2 h 21 min
